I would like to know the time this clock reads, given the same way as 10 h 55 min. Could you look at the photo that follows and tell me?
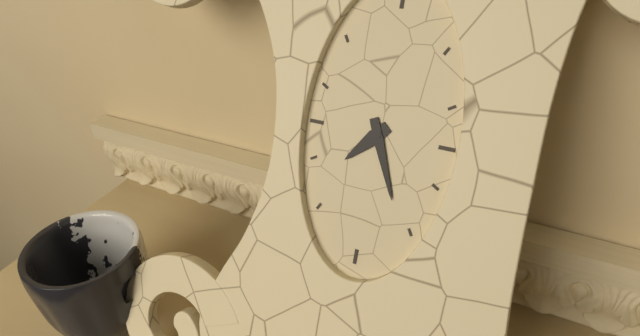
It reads 7 h 26 min
